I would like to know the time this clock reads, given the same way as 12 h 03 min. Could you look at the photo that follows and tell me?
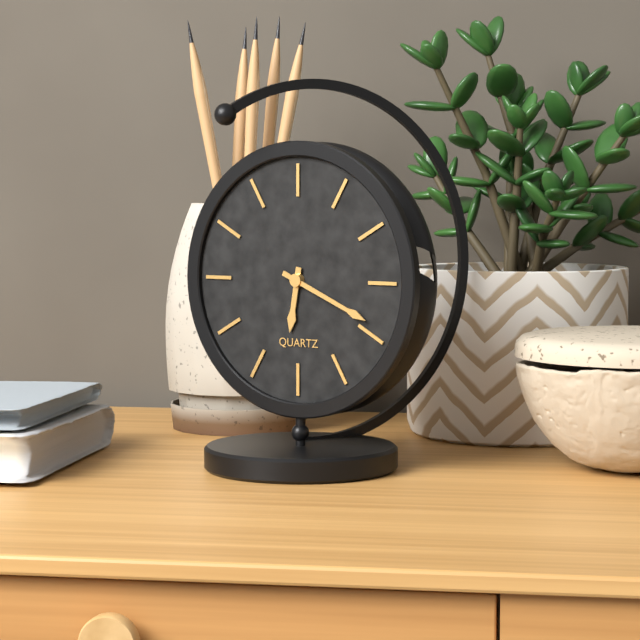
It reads 6 h 19 min
